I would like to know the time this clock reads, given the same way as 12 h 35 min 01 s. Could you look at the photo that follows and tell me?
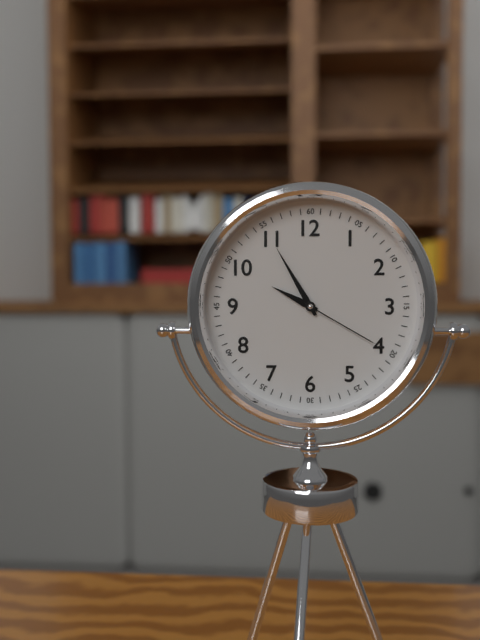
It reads 9 h 55 min 20 s
